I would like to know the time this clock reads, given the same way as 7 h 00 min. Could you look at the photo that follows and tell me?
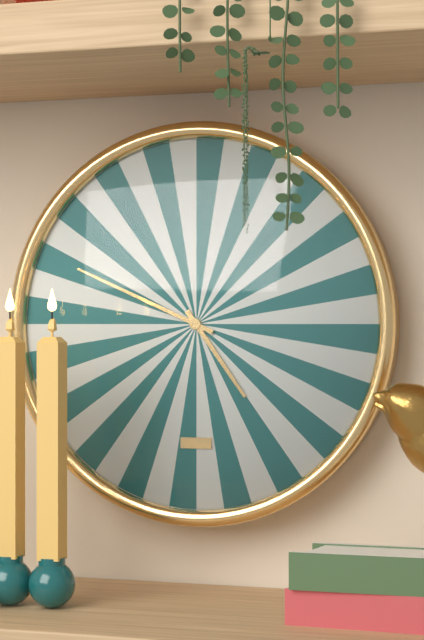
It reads 4 h 49 min
